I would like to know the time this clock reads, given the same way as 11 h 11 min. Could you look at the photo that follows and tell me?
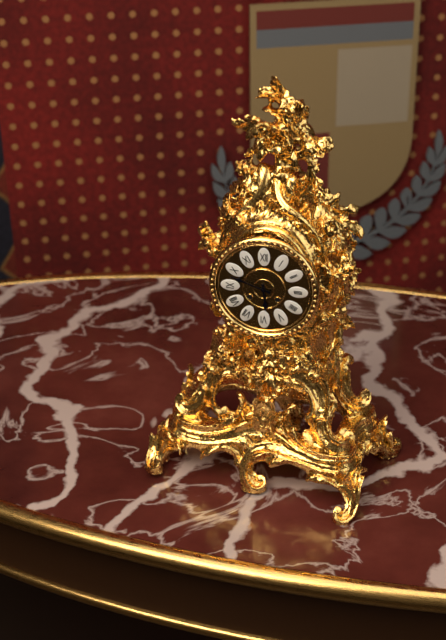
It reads 5 h 48 min
